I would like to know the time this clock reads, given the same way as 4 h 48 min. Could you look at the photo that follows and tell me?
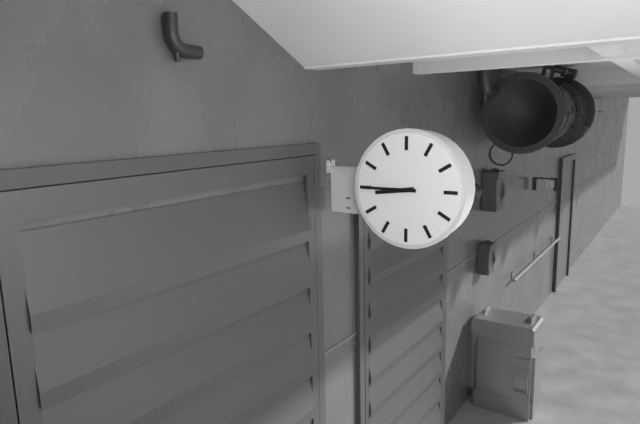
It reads 8 h 45 min
